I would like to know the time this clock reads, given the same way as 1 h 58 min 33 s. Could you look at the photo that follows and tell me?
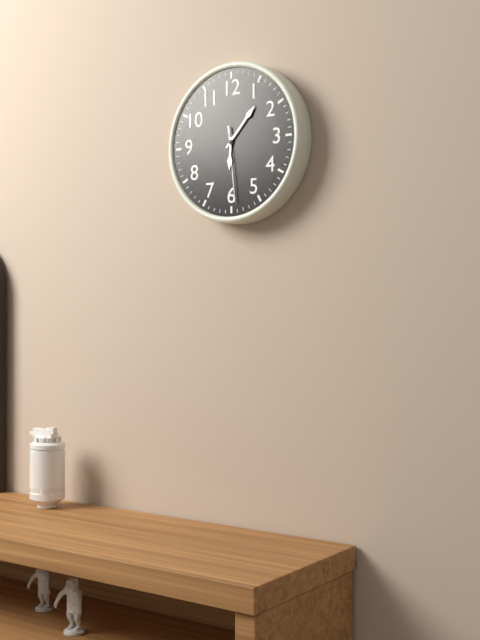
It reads 6 h 07 min 29 s
